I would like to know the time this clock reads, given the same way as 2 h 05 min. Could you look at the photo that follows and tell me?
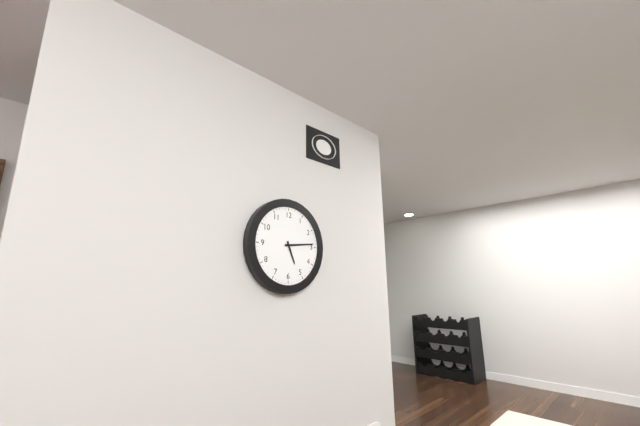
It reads 5 h 14 min
